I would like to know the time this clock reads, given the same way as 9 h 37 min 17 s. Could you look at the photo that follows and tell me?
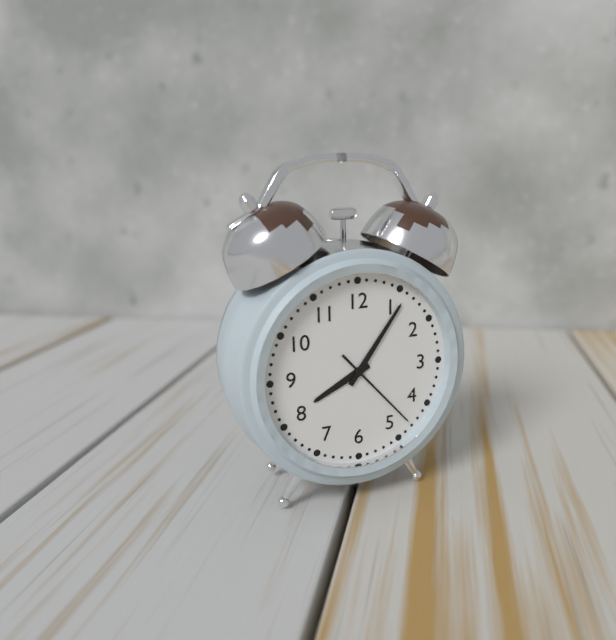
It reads 8 h 06 min 23 s
